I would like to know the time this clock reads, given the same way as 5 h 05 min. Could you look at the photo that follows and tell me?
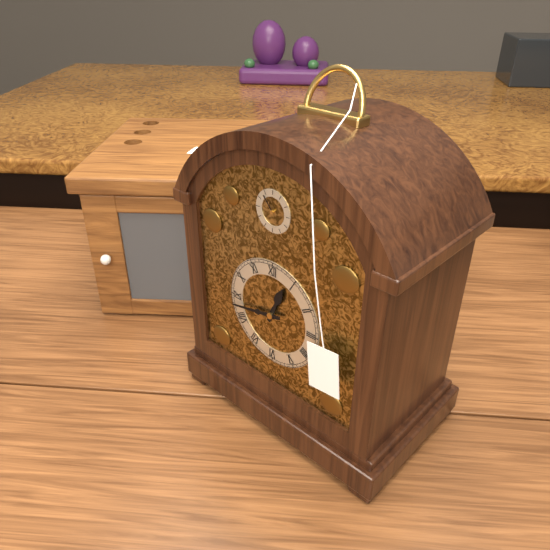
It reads 12 h 43 min
